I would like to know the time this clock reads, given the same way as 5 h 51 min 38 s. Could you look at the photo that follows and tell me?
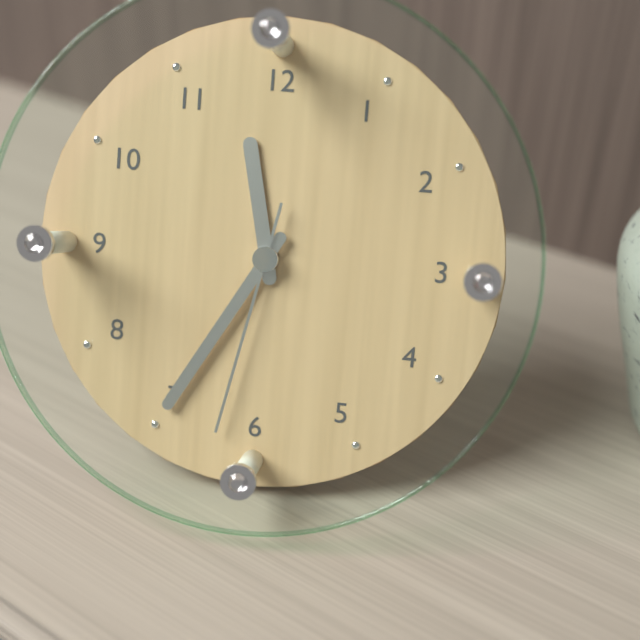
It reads 11 h 35 min 32 s
